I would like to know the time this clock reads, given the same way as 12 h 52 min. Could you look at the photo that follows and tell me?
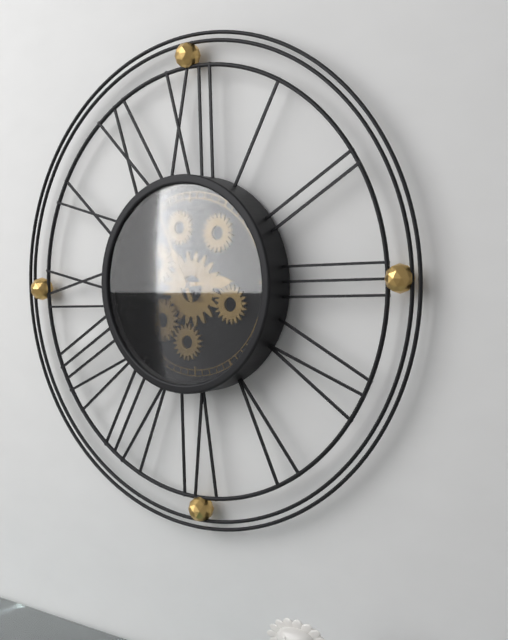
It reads 2 h 56 min
